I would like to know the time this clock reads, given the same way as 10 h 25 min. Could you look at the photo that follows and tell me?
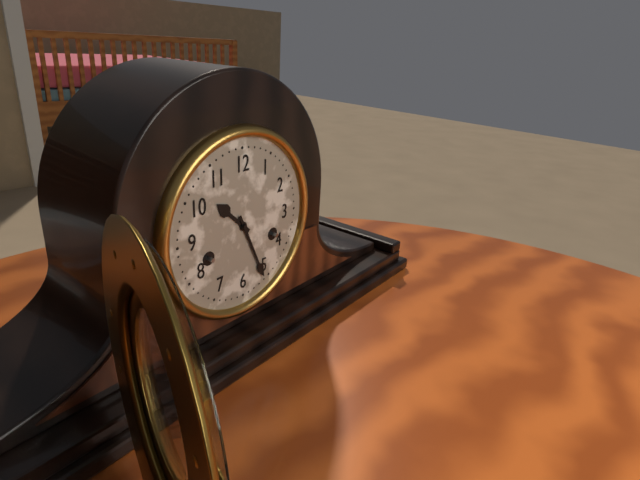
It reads 10 h 26 min
